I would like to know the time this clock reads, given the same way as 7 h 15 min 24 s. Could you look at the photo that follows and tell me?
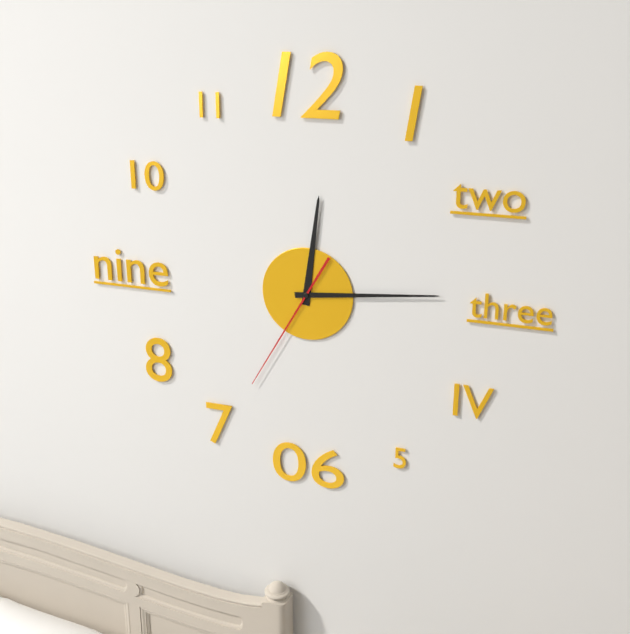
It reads 12 h 14 min 35 s
